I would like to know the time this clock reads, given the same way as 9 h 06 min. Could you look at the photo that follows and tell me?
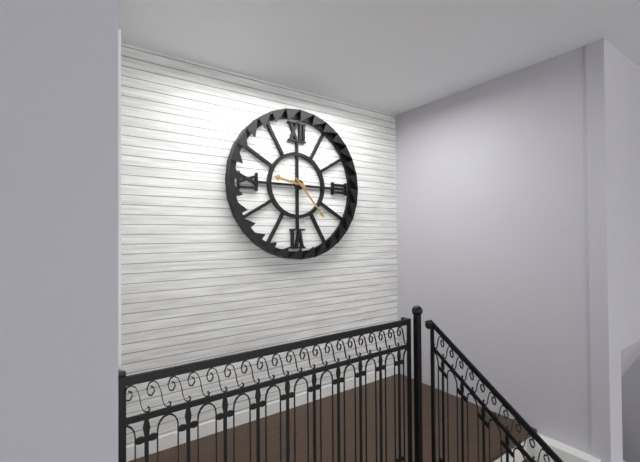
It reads 9 h 23 min
